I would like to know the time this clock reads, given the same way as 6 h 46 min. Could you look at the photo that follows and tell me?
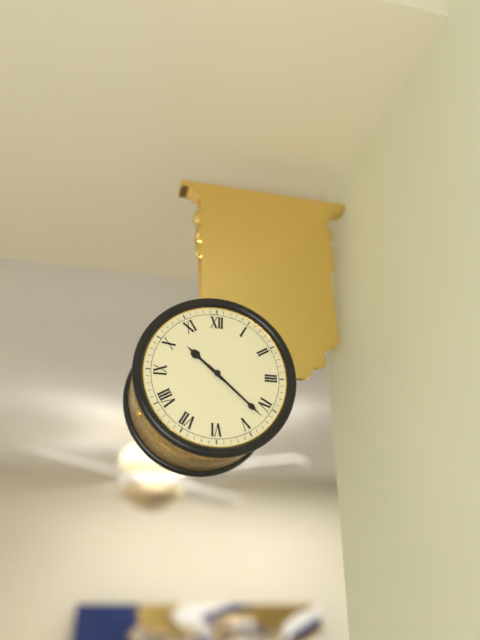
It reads 10 h 22 min
